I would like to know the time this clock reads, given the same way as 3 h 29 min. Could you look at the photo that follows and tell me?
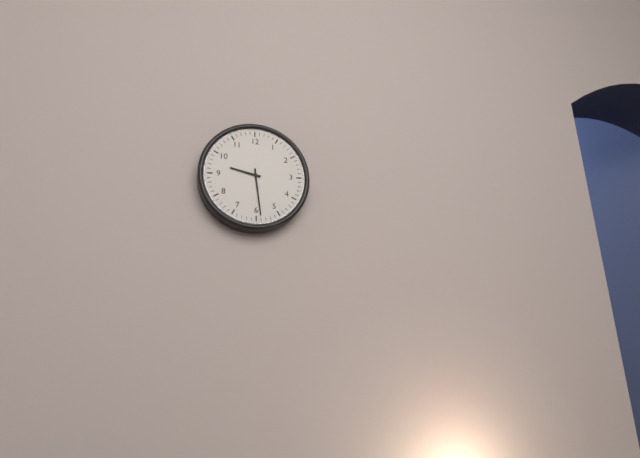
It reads 9 h 29 min
